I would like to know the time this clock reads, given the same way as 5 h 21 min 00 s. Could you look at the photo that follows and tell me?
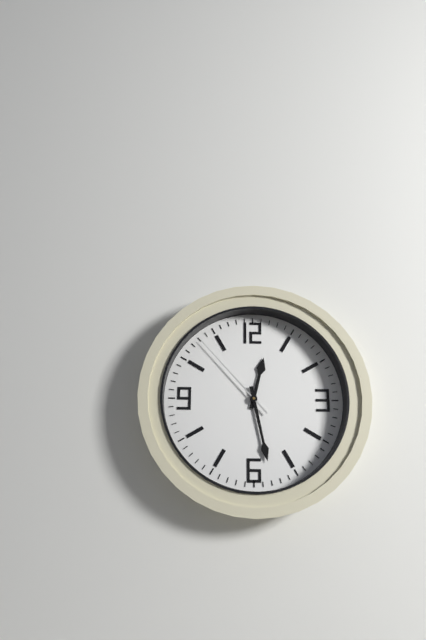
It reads 12 h 28 min 53 s
